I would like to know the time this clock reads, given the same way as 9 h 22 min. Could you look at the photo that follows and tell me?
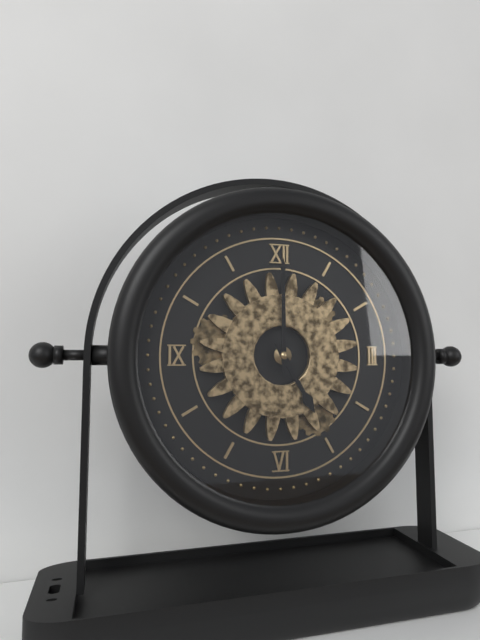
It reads 5 h 00 min
